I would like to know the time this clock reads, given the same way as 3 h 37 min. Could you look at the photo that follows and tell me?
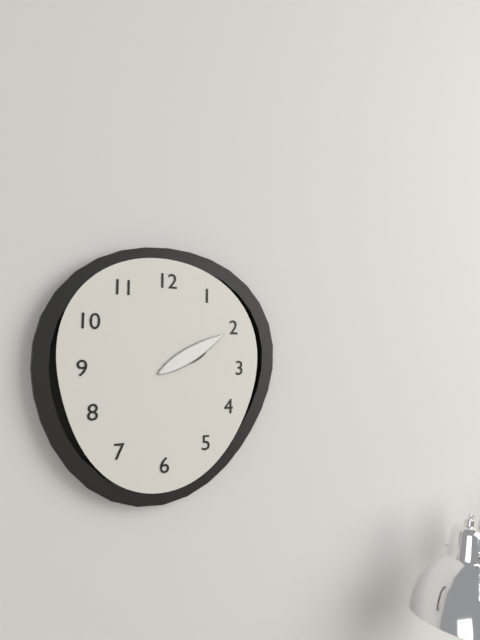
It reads 2 h 10 min
